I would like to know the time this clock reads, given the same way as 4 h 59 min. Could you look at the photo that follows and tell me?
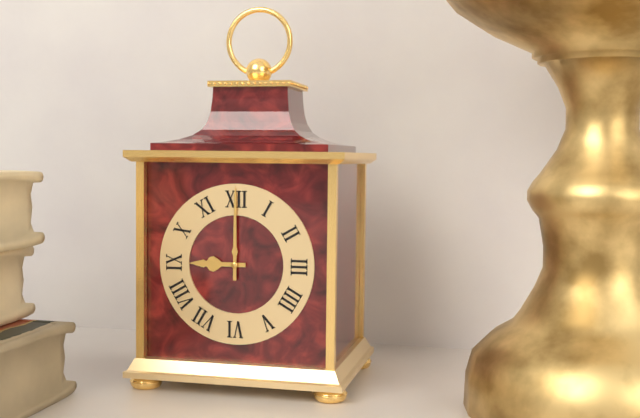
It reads 9 h 00 min
